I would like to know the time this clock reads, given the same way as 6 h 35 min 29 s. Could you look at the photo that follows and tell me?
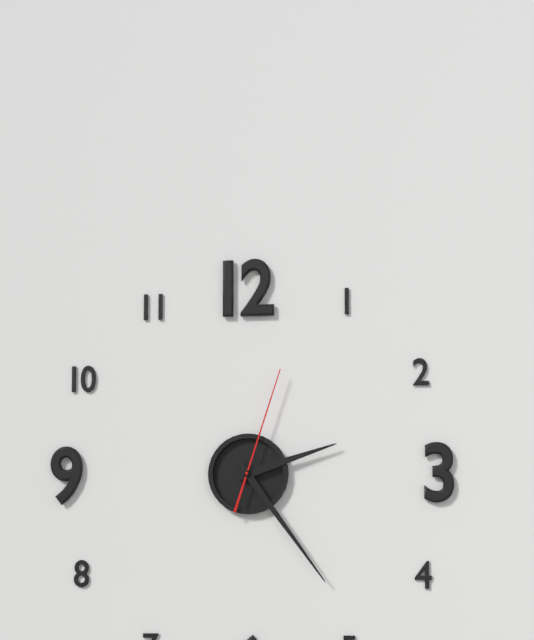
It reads 2 h 24 min 03 s
